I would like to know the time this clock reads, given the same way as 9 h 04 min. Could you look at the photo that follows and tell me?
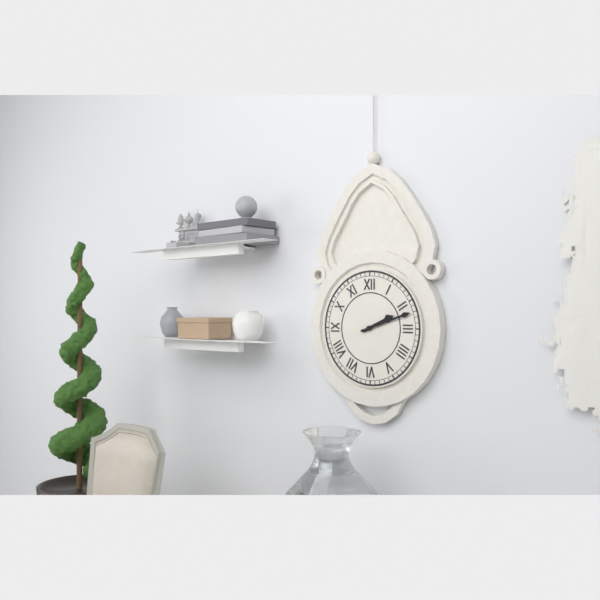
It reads 2 h 12 min
